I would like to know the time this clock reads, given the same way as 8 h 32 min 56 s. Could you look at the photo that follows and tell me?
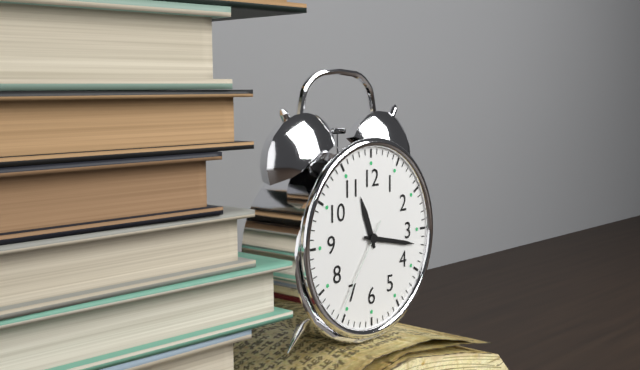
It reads 11 h 17 min 36 s
